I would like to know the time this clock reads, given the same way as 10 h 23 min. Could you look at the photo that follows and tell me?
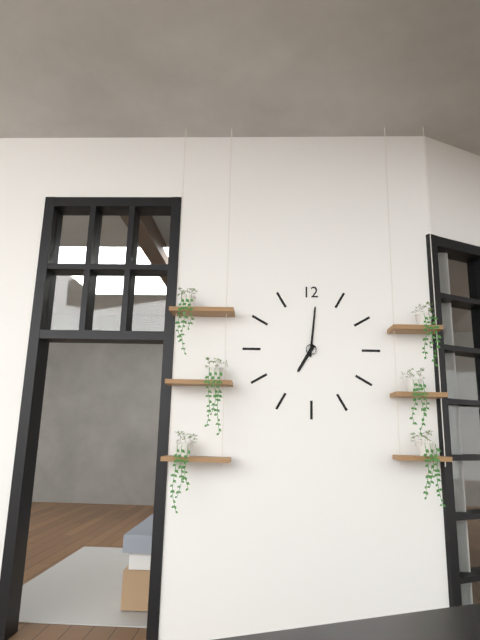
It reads 7 h 01 min
